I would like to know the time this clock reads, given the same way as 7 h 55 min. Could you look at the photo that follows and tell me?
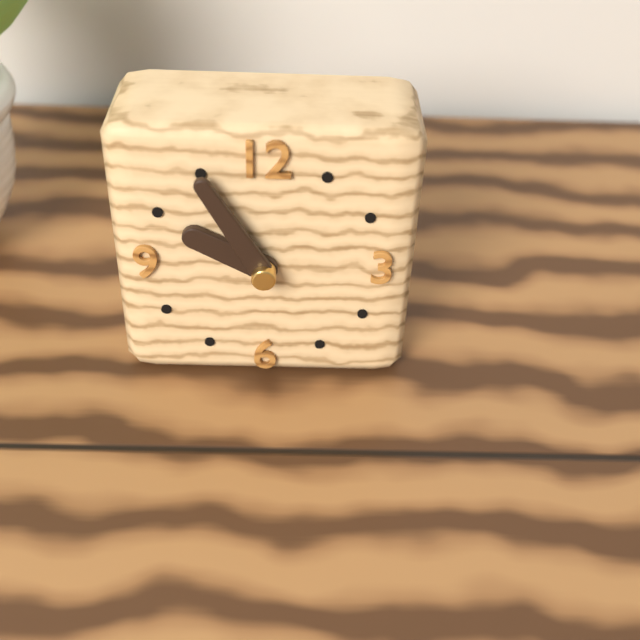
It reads 9 h 55 min
